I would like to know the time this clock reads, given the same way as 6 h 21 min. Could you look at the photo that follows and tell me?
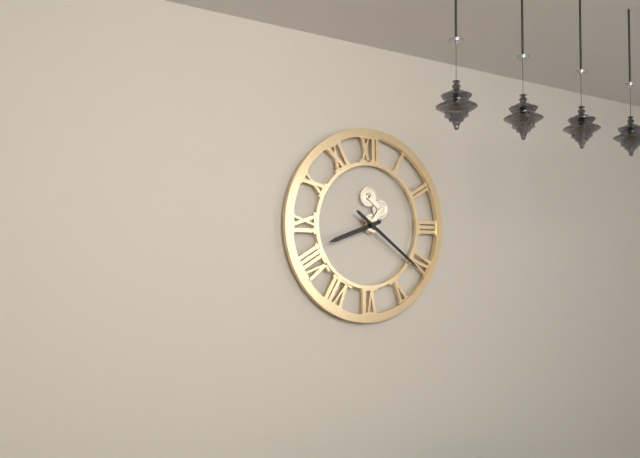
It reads 8 h 21 min
